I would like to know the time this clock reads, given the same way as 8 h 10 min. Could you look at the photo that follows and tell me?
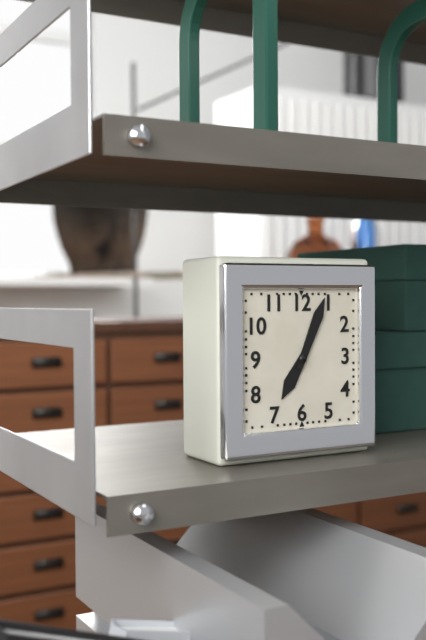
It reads 7 h 04 min
